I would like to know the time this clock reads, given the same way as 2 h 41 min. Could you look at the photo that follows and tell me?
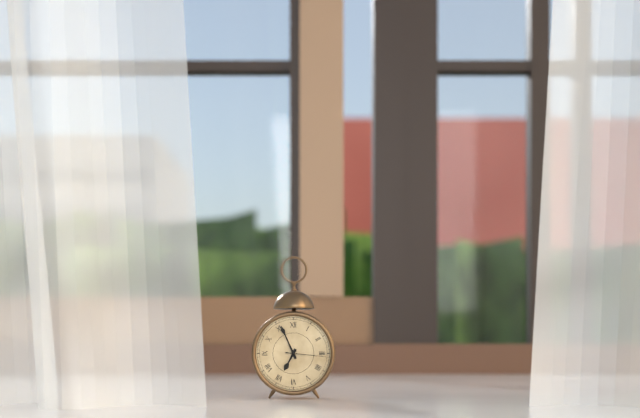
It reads 6 h 56 min
